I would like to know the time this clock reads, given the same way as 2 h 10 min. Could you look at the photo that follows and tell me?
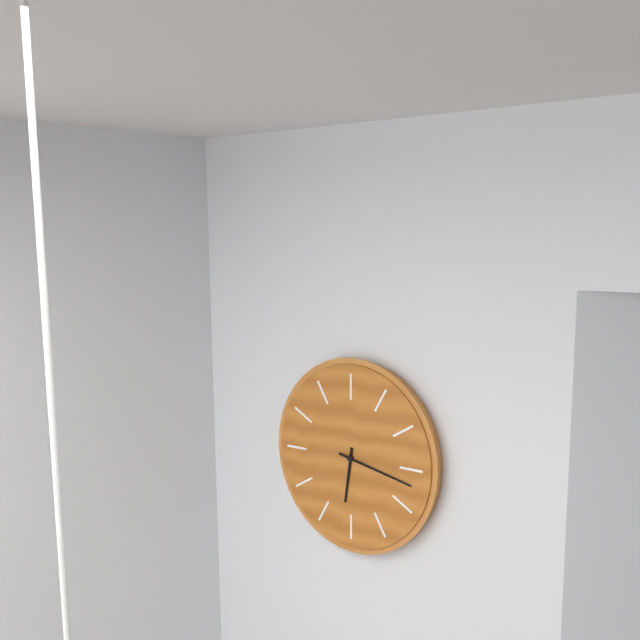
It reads 6 h 17 min
